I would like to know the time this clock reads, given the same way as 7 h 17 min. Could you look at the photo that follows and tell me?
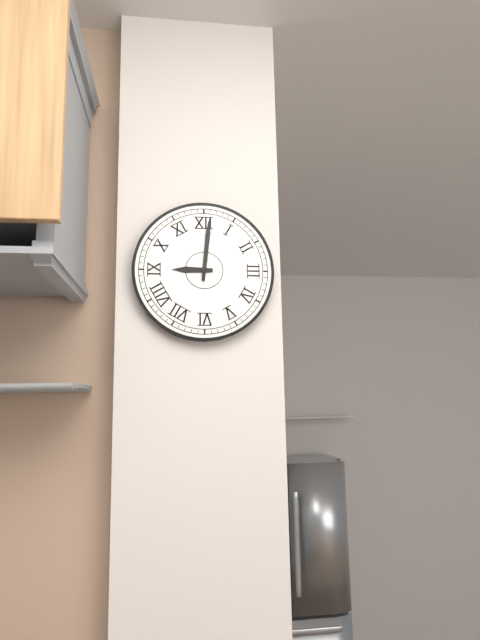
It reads 9 h 01 min
